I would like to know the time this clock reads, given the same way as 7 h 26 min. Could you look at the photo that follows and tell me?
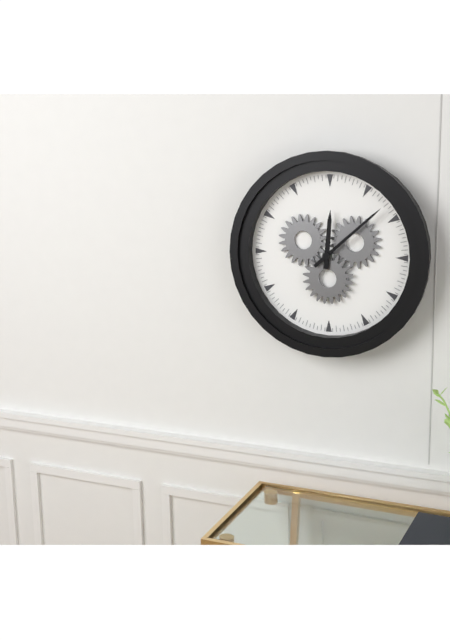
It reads 12 h 08 min
